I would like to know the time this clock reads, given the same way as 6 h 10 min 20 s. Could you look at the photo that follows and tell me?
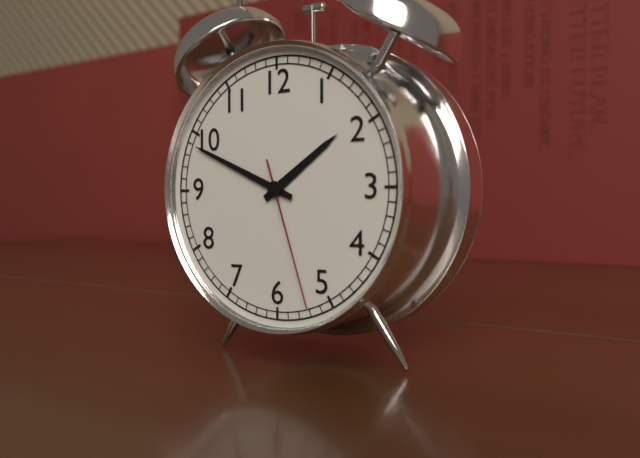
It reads 1 h 49 min 27 s
